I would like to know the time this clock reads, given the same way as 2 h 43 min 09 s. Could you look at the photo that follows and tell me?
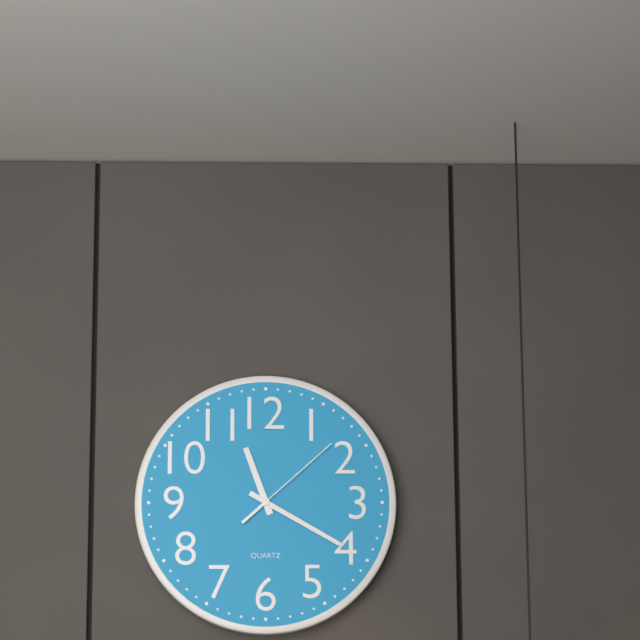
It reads 11 h 20 min 08 s
